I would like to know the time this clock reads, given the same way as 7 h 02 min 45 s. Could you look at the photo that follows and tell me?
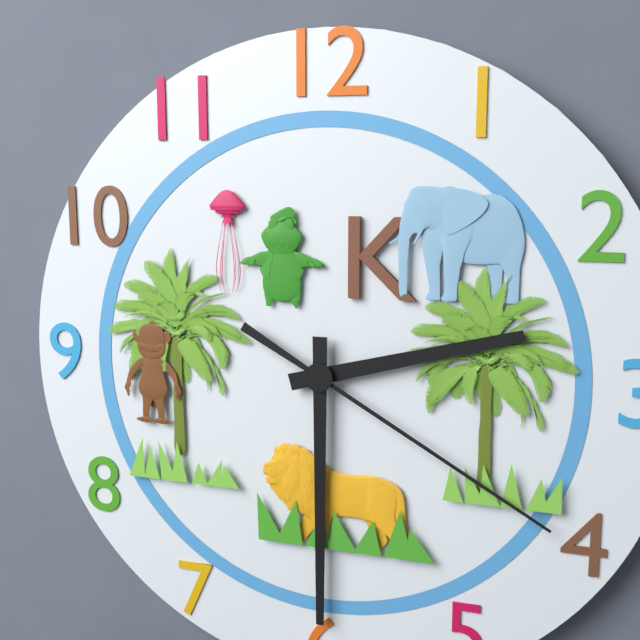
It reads 2 h 30 min 20 s
